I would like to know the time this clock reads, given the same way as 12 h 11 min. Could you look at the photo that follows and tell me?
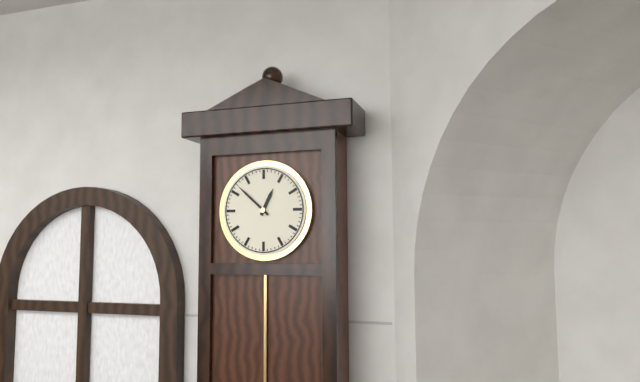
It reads 12 h 52 min
